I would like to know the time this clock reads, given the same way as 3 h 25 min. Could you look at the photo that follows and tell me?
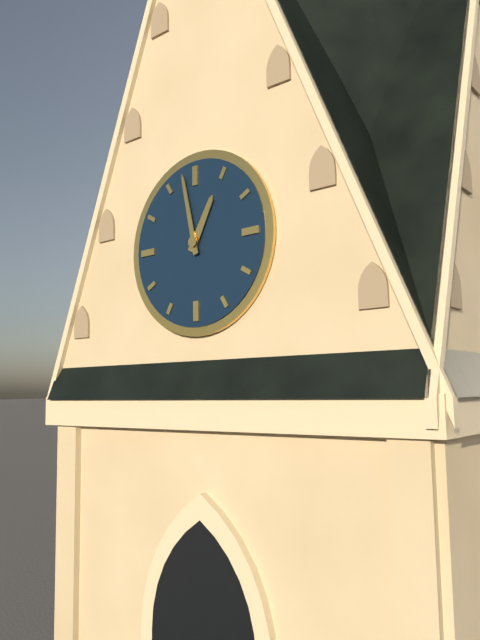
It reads 12 h 58 min
